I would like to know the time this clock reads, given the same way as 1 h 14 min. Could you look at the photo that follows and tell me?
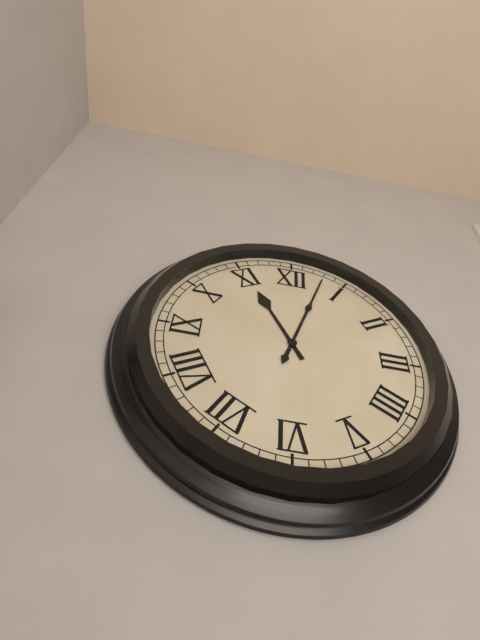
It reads 11 h 03 min
